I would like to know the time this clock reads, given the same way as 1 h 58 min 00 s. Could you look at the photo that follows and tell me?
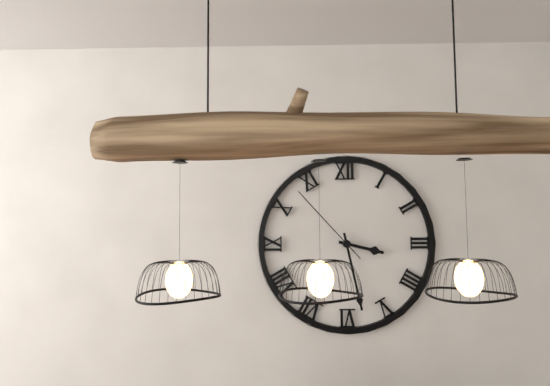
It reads 3 h 28 min 53 s
